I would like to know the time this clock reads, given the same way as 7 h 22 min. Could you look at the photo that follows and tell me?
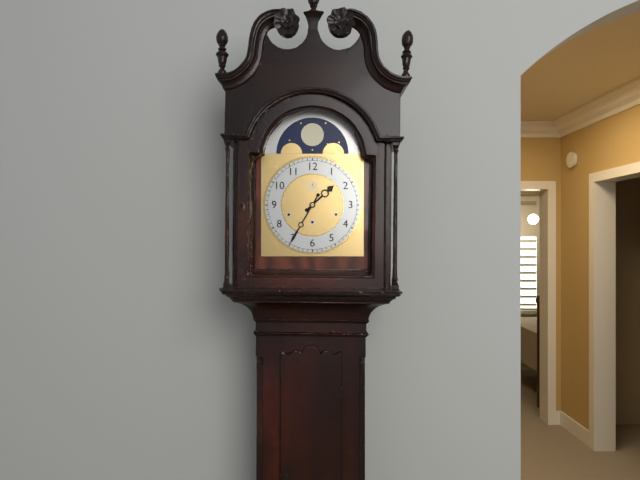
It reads 1 h 35 min
